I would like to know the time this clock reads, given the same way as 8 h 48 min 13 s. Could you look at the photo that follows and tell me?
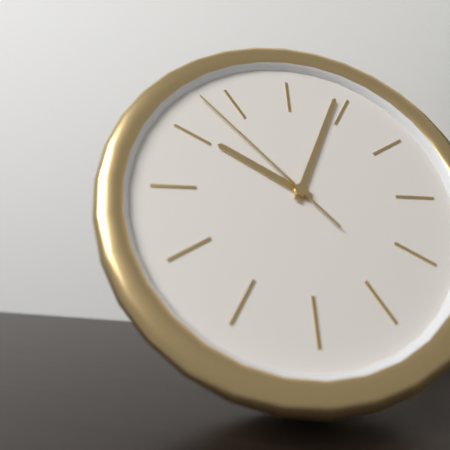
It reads 10 h 04 min 53 s
